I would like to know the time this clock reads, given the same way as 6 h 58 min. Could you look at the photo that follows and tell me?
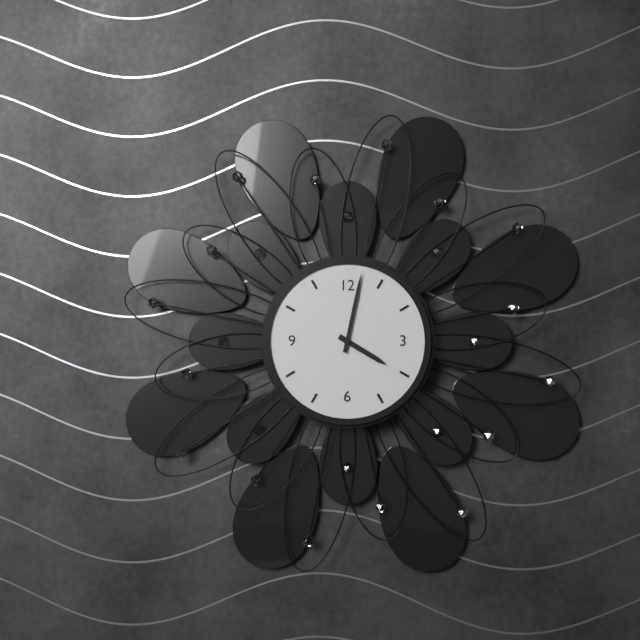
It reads 4 h 02 min
